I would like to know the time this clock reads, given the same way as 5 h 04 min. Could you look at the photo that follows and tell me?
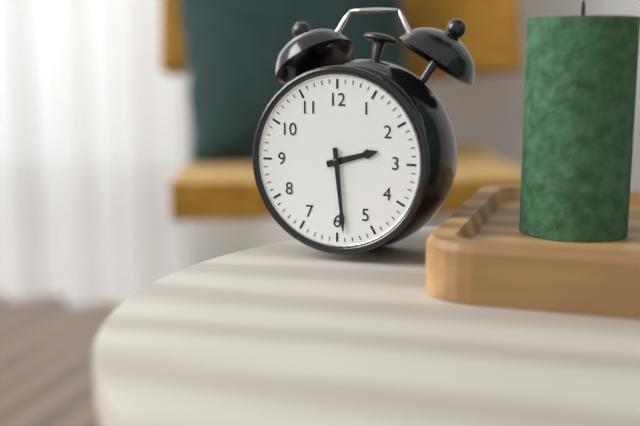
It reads 2 h 29 min
